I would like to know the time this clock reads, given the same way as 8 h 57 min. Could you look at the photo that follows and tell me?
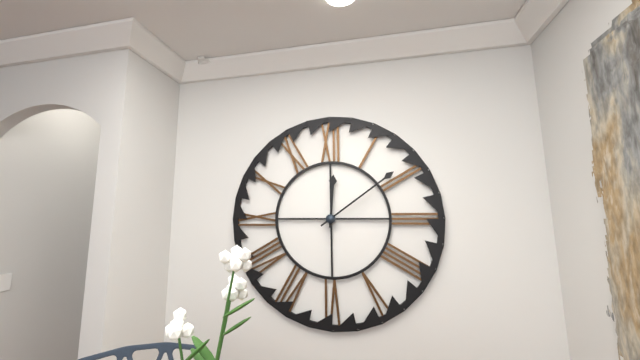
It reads 12 h 09 min
